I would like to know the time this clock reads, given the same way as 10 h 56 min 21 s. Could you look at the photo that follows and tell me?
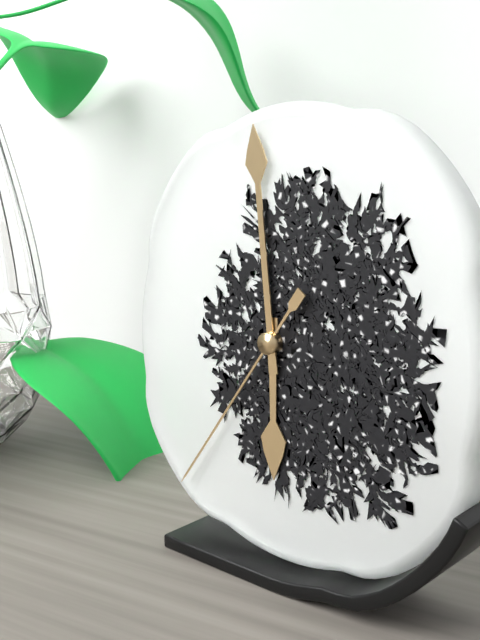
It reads 5 h 59 min 36 s
